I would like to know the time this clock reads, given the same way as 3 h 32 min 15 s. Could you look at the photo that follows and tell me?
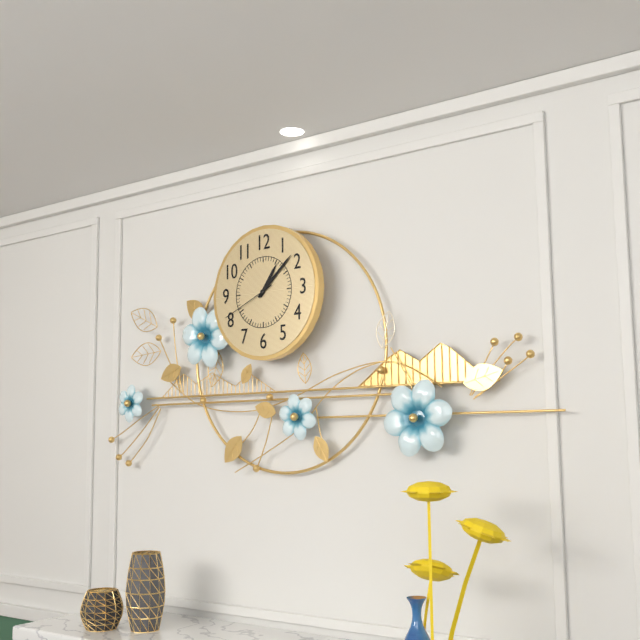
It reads 1 h 08 min 41 s
